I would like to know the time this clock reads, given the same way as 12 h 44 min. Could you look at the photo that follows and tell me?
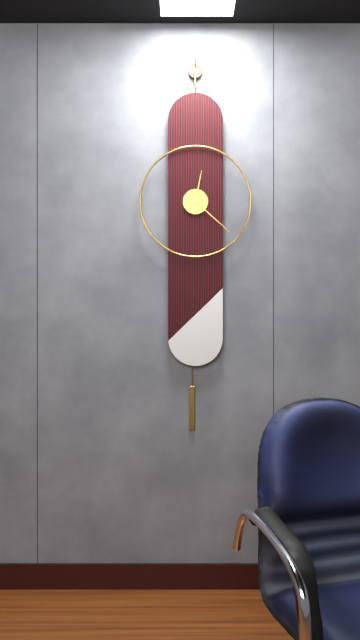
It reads 12 h 22 min
